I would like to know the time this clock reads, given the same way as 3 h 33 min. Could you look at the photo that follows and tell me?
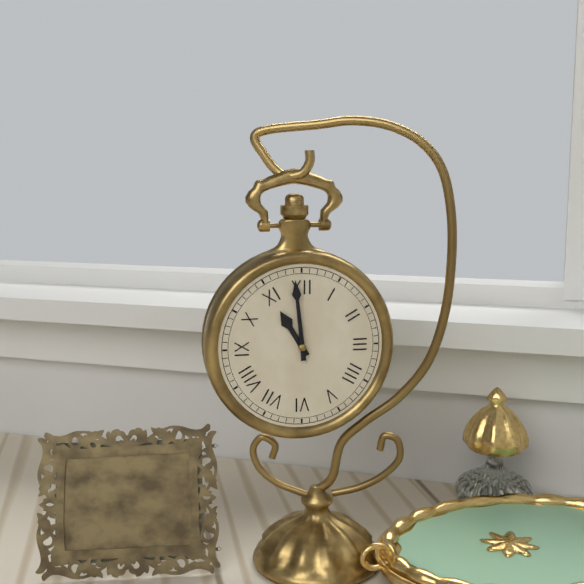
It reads 10 h 59 min
